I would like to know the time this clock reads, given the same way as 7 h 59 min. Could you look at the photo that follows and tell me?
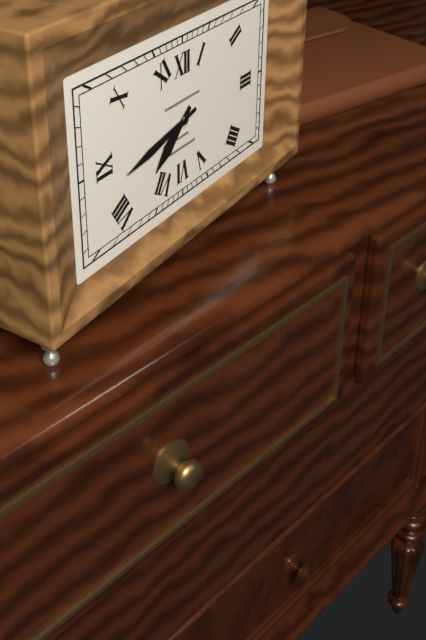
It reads 7 h 43 min
